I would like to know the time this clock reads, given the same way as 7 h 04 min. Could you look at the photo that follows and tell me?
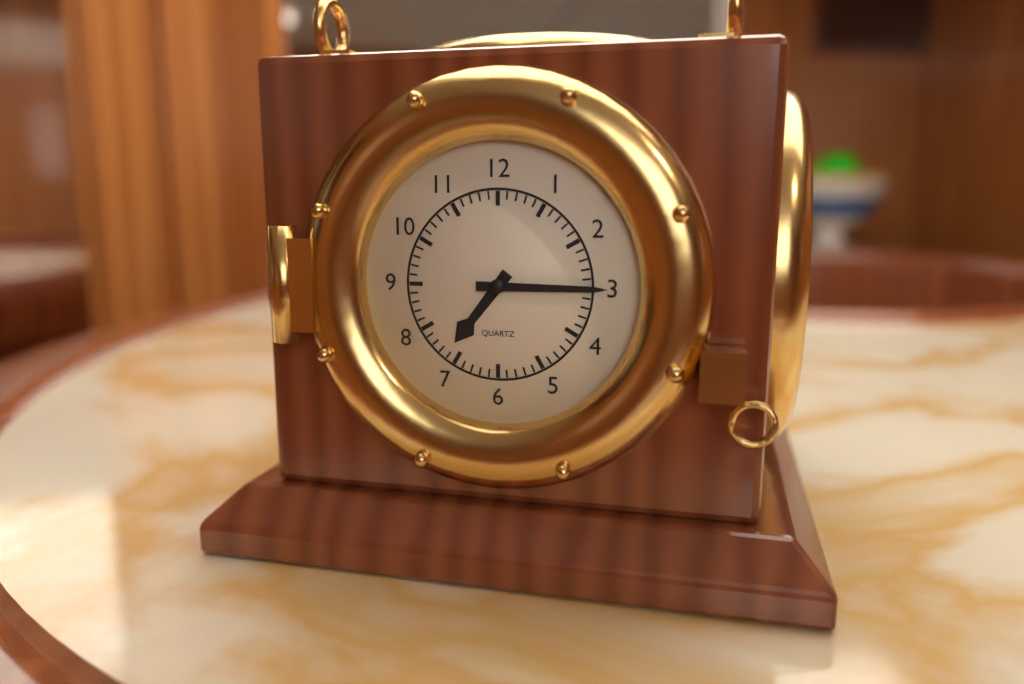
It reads 7 h 15 min
